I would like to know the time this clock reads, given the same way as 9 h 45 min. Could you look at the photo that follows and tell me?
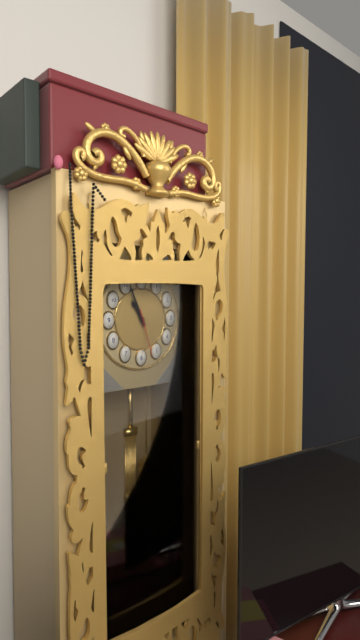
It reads 10 h 56 min
